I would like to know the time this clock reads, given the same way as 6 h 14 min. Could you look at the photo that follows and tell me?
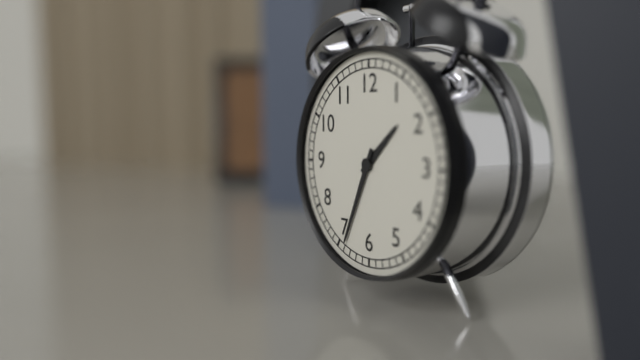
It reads 1 h 34 min
